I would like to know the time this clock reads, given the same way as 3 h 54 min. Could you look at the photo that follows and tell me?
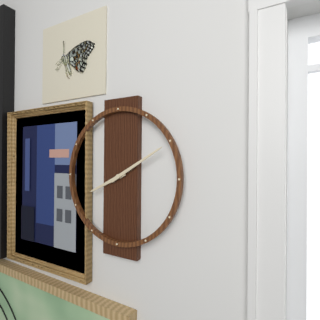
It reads 8 h 10 min
